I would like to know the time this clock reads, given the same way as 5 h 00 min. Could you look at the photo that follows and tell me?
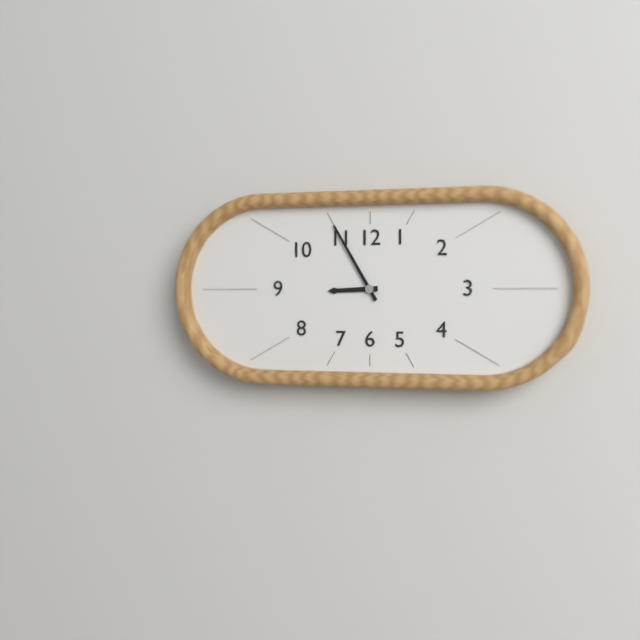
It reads 8 h 55 min
